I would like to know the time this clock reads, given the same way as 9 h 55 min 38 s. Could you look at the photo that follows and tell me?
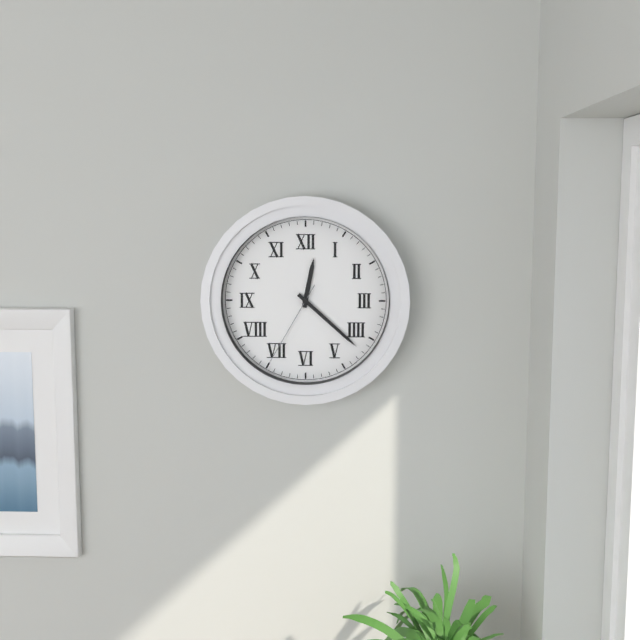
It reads 12 h 22 min 35 s
